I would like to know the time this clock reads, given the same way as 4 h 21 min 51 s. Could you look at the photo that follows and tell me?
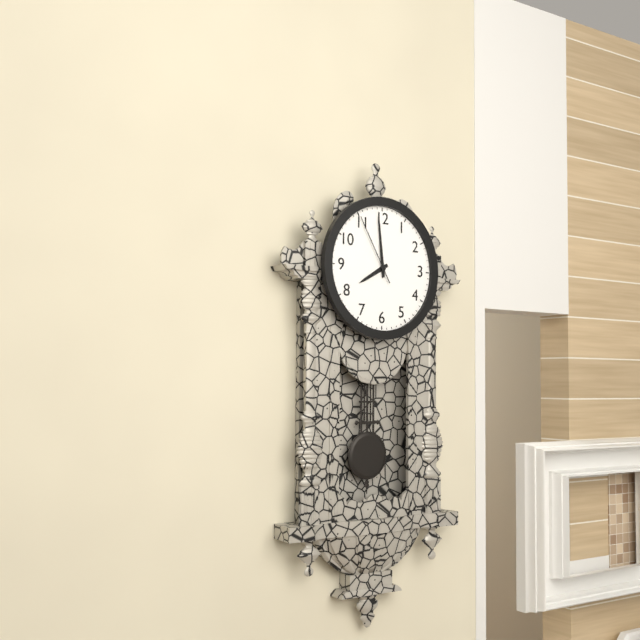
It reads 7 h 59 min 55 s
